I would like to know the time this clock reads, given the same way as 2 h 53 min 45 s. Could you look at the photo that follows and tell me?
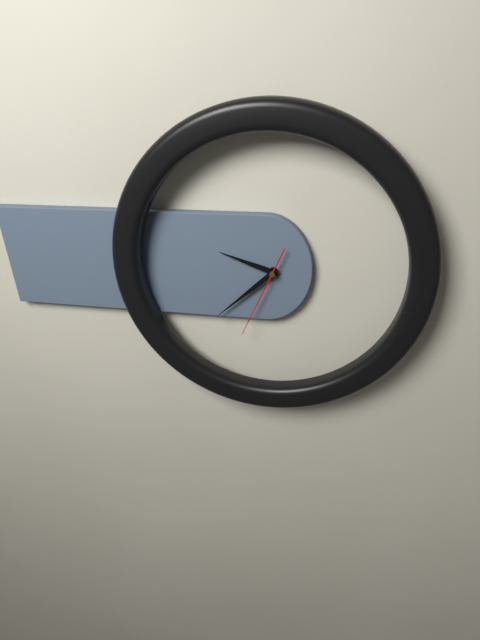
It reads 9 h 38 min 34 s
